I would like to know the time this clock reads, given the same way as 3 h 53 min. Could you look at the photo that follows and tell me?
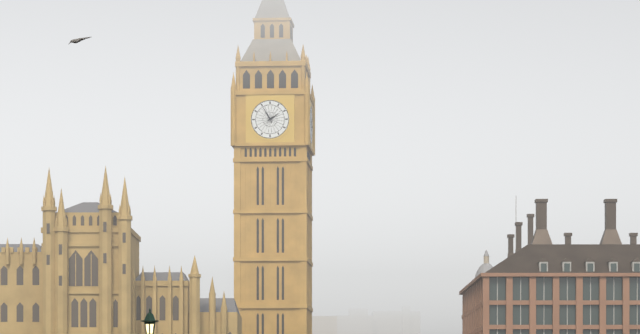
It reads 1 h 55 min
